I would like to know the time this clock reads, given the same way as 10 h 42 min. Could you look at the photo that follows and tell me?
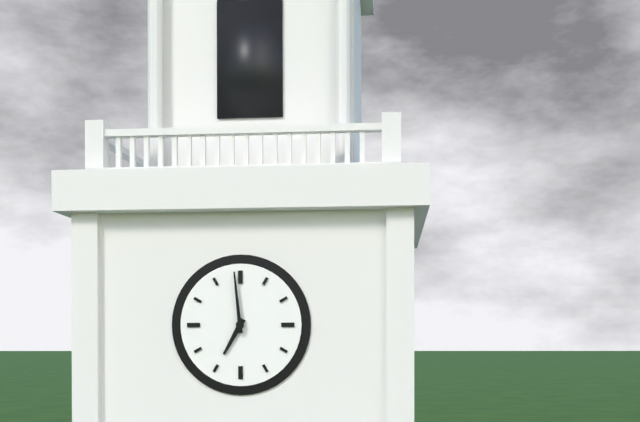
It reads 6 h 59 min
